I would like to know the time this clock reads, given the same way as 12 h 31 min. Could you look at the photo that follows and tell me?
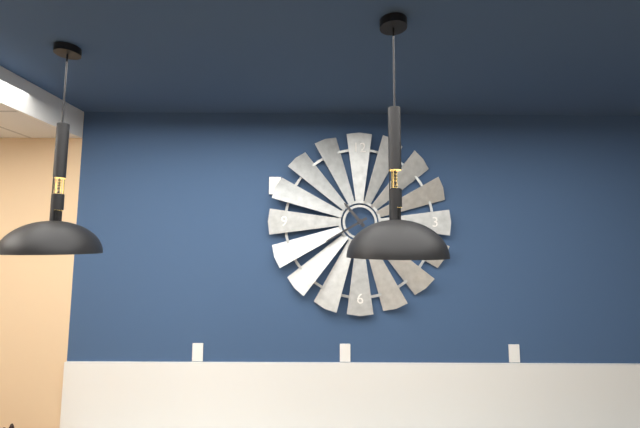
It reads 10 h 40 min
